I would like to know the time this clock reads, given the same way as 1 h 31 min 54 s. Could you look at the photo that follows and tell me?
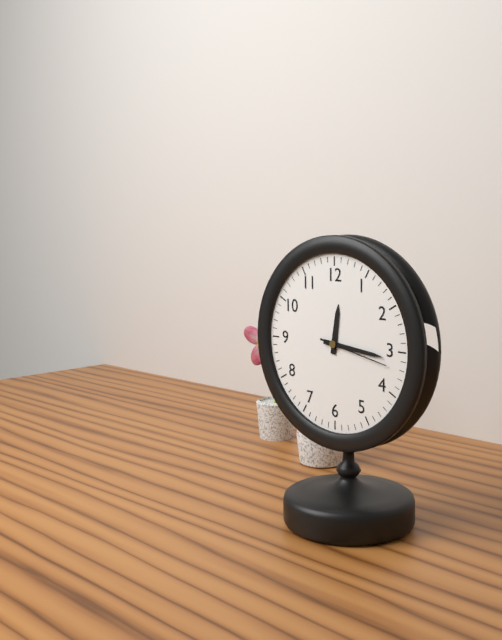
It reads 12 h 16 min 17 s
